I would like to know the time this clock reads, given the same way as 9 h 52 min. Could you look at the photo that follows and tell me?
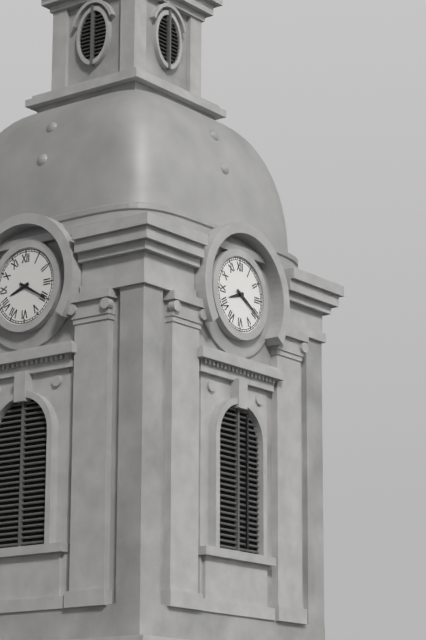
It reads 8 h 20 min
